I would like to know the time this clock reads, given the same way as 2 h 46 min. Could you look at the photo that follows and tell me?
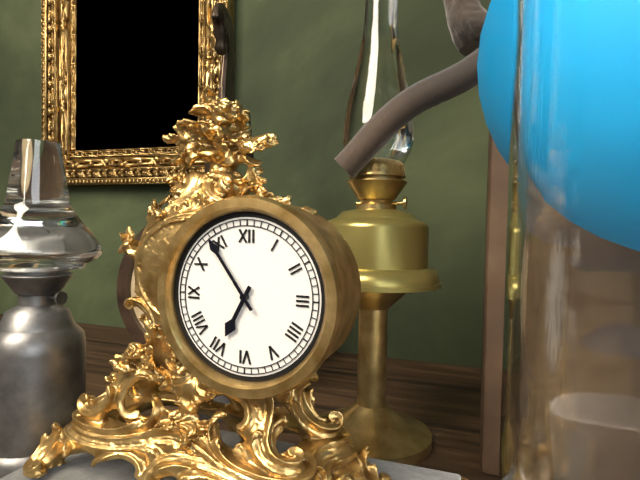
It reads 6 h 54 min
